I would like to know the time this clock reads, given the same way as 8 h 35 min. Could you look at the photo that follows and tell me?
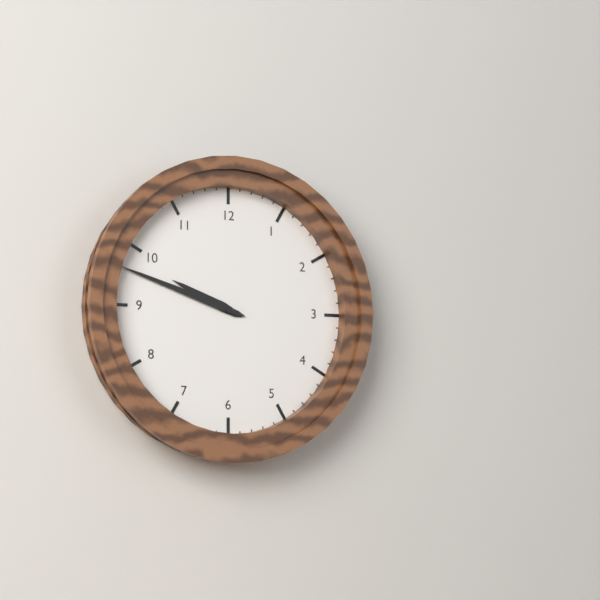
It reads 9 h 48 min
